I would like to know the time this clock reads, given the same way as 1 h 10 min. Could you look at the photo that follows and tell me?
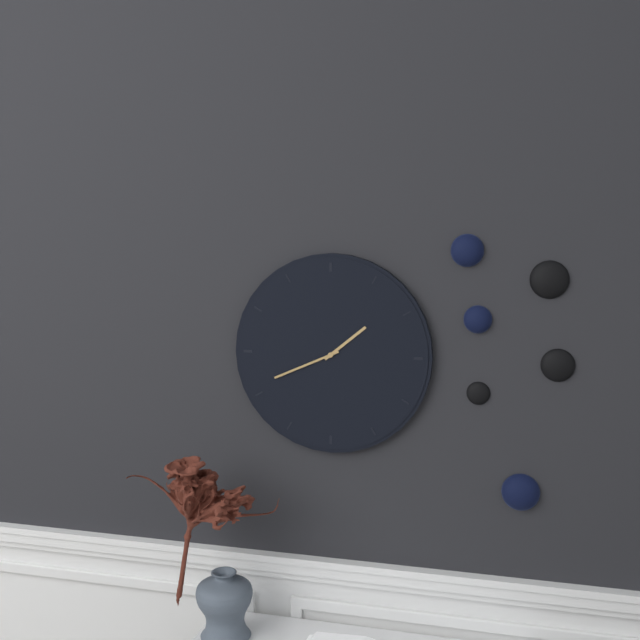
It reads 1 h 41 min
